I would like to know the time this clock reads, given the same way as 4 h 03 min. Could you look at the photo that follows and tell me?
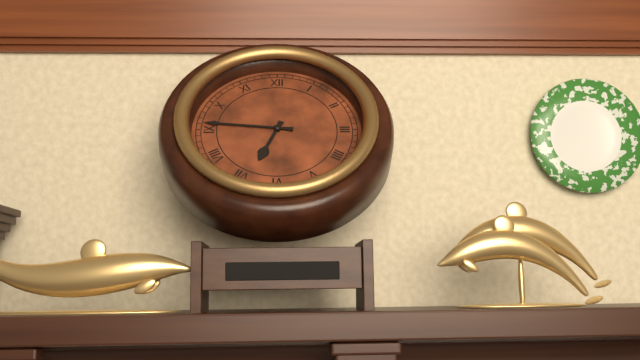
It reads 6 h 46 min
